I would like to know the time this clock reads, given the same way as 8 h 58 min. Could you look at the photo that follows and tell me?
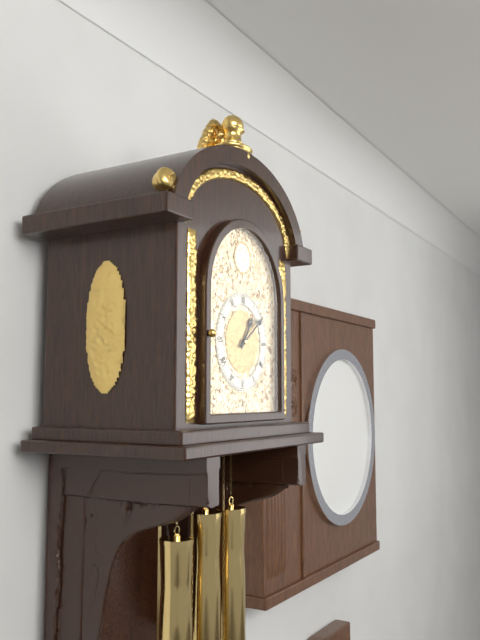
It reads 1 h 09 min
